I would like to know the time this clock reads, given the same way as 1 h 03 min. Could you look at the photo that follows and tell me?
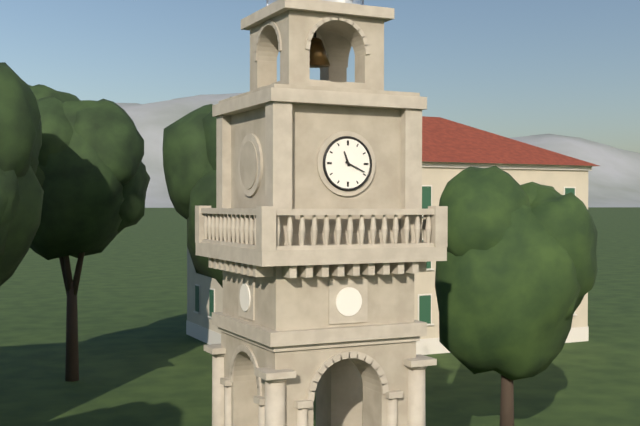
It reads 11 h 19 min
